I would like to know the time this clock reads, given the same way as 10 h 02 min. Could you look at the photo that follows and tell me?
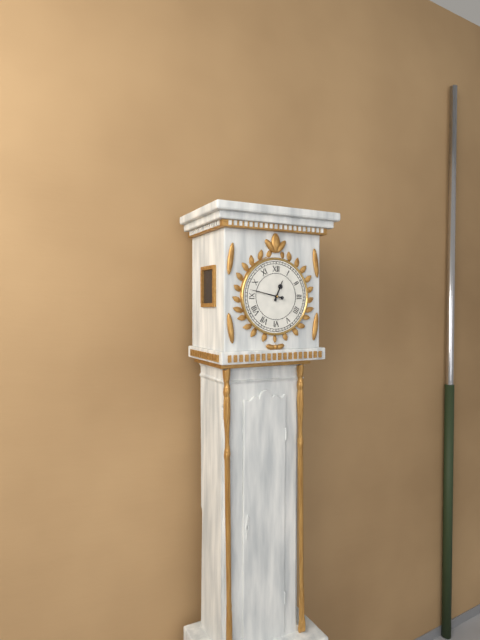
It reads 12 h 47 min
